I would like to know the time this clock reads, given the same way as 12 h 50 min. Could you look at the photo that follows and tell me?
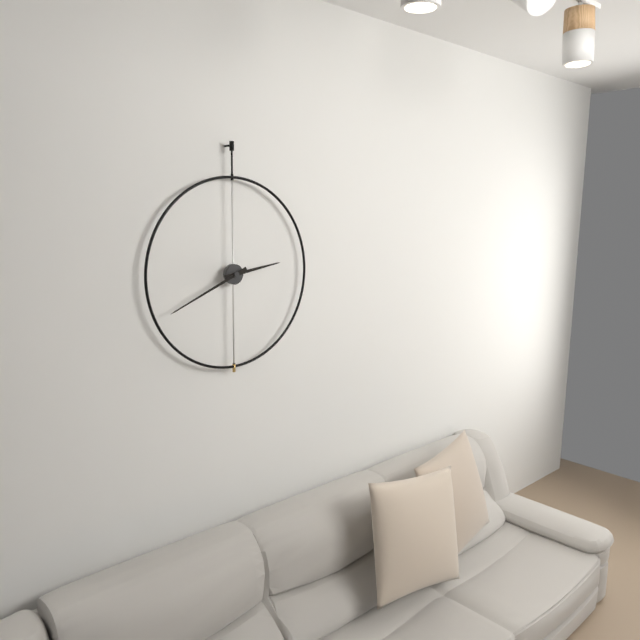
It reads 2 h 41 min
